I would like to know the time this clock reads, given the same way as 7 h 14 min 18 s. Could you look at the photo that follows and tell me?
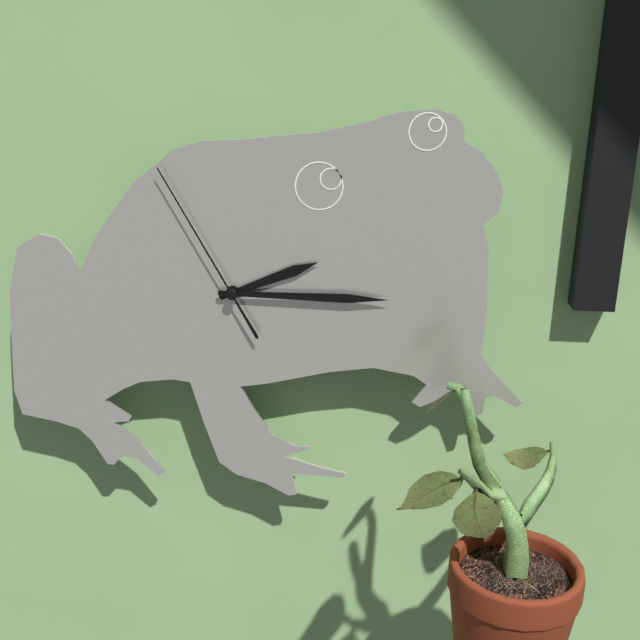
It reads 2 h 15 min 55 s
